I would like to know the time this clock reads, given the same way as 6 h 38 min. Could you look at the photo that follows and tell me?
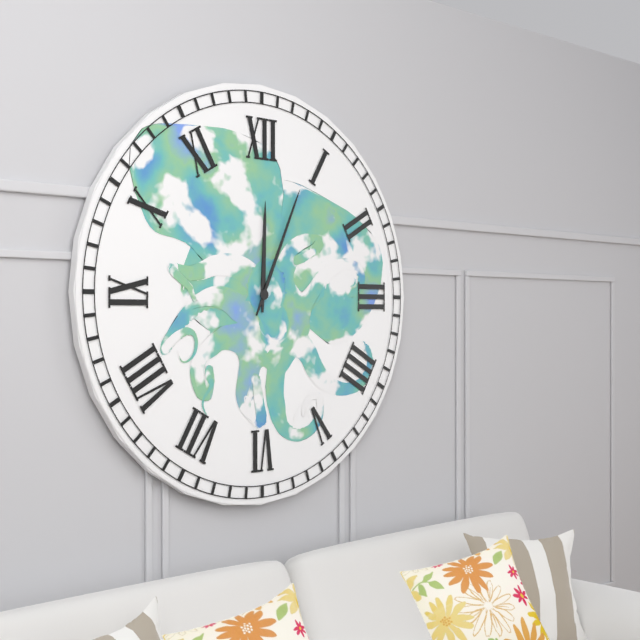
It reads 12 h 04 min
